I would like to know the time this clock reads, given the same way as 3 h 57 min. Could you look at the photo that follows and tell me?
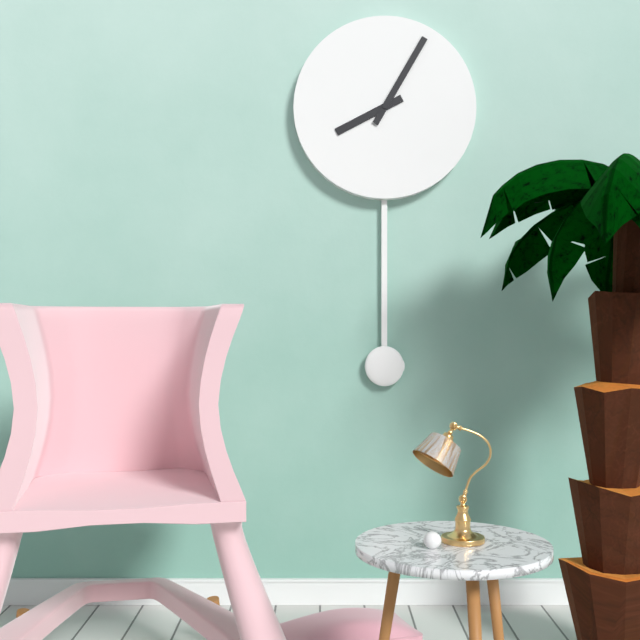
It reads 8 h 05 min
